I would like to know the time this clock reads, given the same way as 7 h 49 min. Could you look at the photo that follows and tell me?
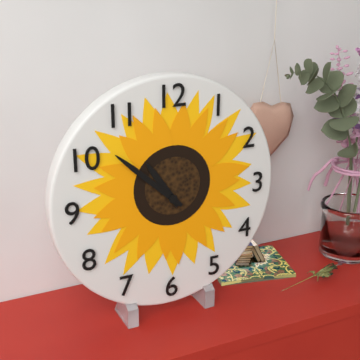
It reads 10 h 52 min
